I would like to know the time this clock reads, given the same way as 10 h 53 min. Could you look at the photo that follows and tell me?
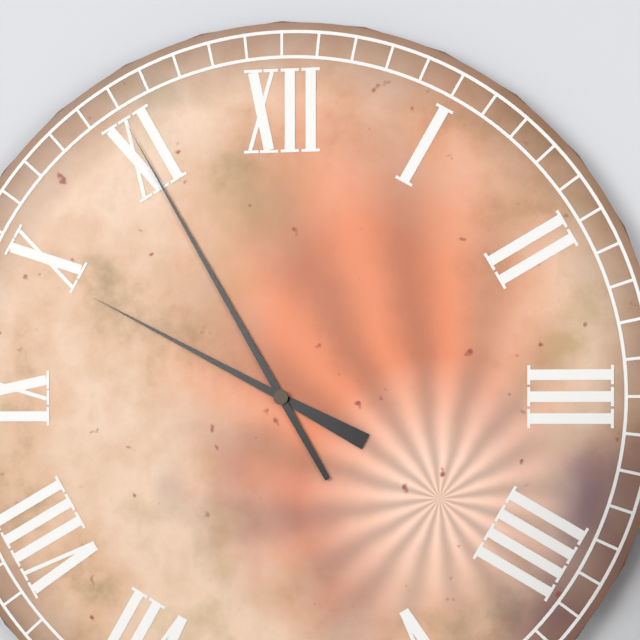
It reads 9 h 55 min
